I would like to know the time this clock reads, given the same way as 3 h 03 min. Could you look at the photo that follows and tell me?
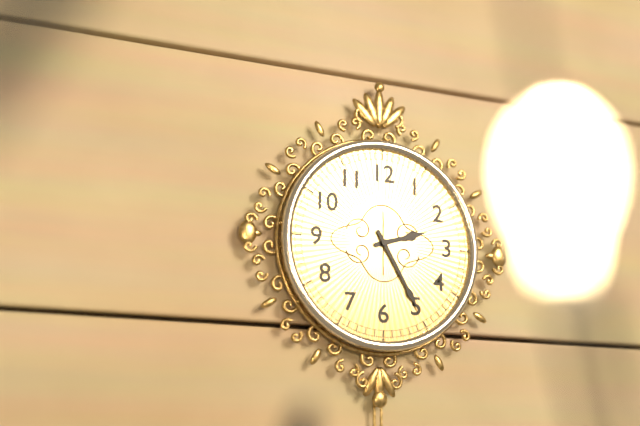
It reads 2 h 25 min
